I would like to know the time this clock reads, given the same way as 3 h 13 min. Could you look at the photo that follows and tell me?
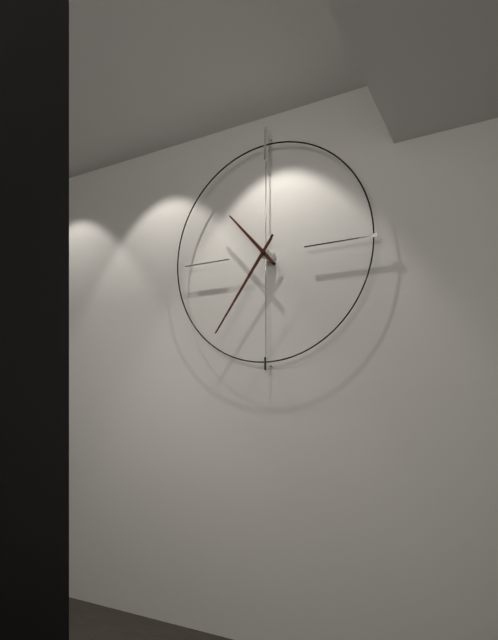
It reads 10 h 36 min
